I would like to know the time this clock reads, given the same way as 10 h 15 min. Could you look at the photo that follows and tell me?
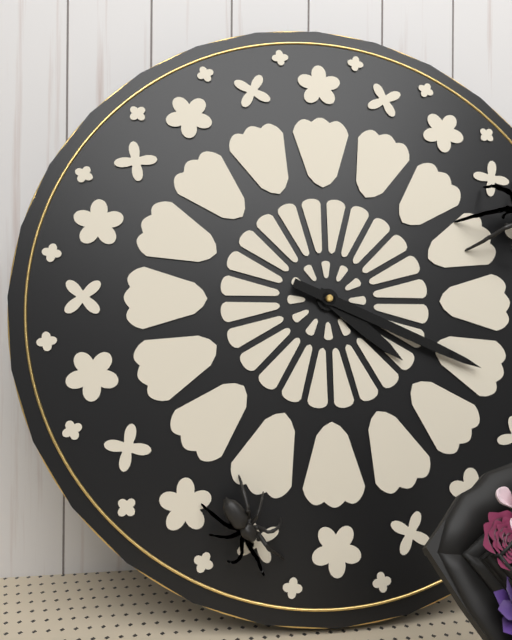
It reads 4 h 19 min
